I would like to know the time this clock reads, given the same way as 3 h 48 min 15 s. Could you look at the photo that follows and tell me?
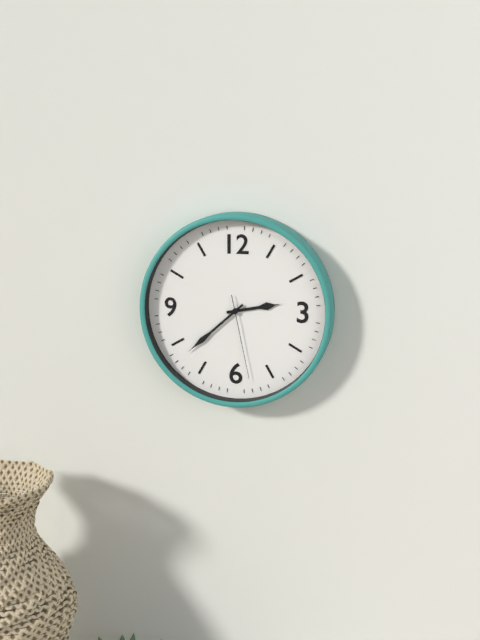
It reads 2 h 38 min 28 s
